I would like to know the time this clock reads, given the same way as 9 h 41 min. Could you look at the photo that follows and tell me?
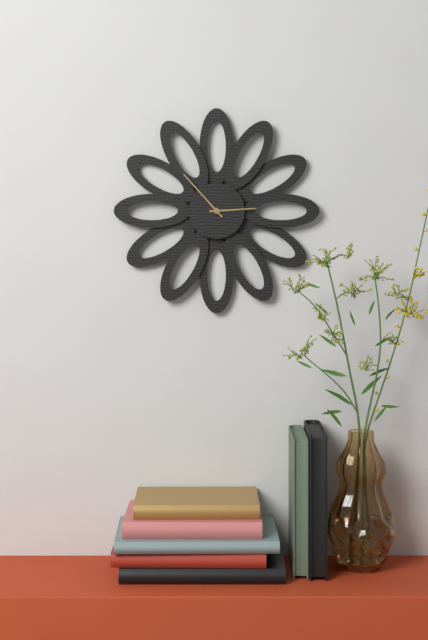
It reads 2 h 53 min
